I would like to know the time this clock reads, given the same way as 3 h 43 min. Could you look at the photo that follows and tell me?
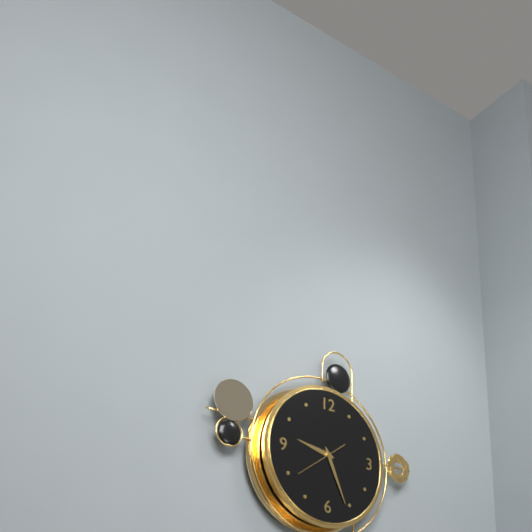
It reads 9 h 26 min
